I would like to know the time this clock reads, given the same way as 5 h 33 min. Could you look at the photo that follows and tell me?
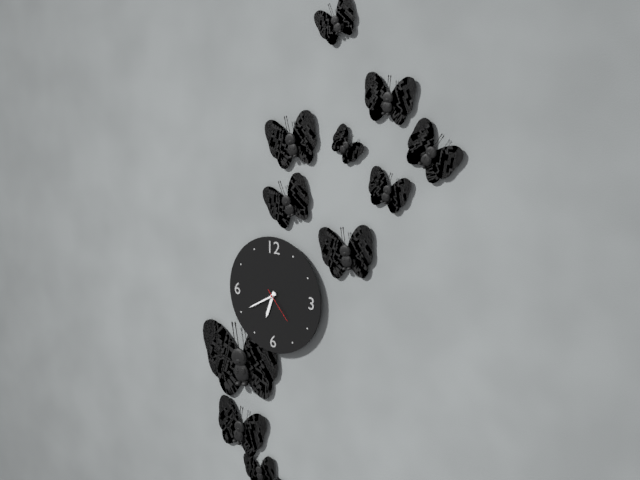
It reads 6 h 40 min
